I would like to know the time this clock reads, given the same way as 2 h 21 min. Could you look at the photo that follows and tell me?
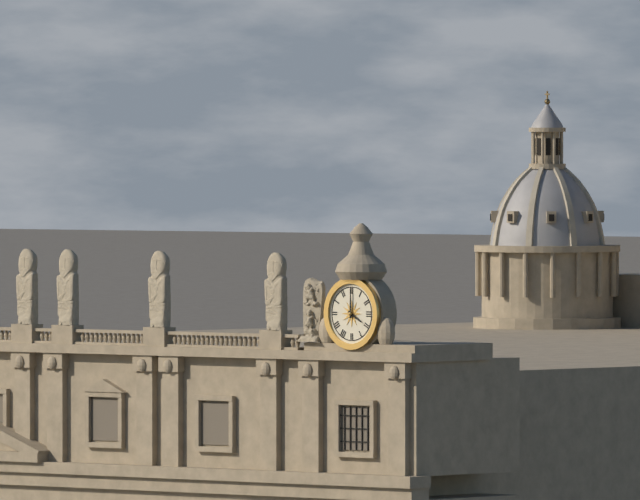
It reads 4 h 00 min
